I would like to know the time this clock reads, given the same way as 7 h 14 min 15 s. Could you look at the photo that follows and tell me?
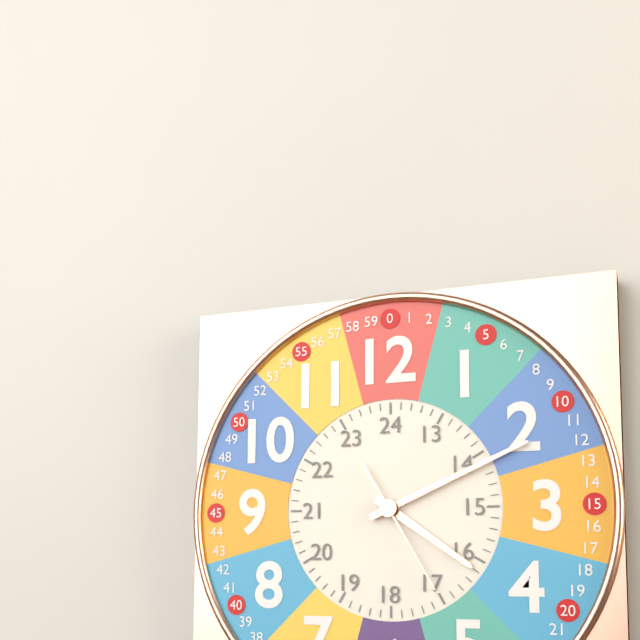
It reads 4 h 11 min 25 s
